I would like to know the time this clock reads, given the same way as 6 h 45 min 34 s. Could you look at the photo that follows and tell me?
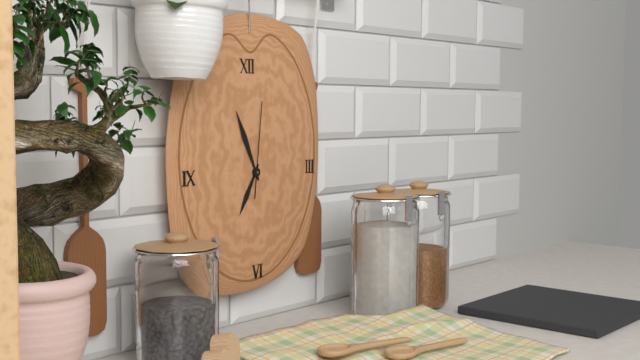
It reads 6 h 56 min 01 s
